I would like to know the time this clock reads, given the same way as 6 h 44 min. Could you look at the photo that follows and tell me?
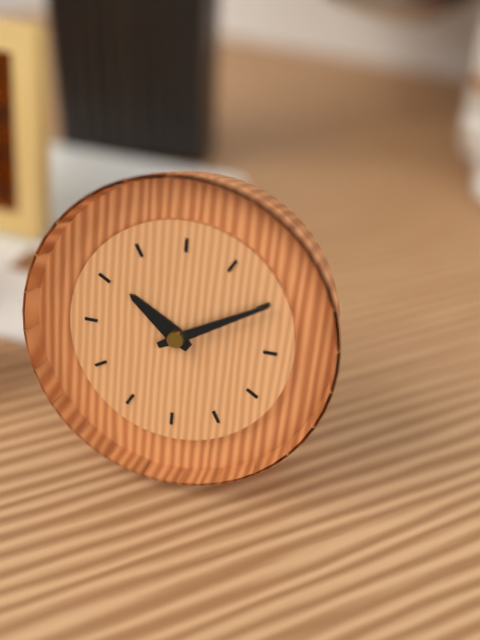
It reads 10 h 10 min
